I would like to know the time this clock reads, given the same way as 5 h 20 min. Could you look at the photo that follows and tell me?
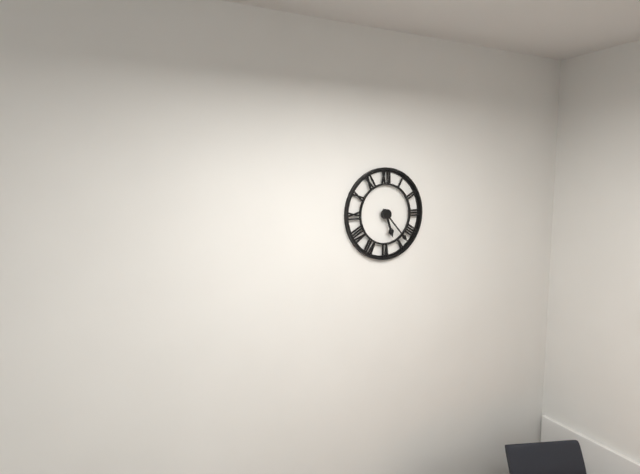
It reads 5 h 23 min
